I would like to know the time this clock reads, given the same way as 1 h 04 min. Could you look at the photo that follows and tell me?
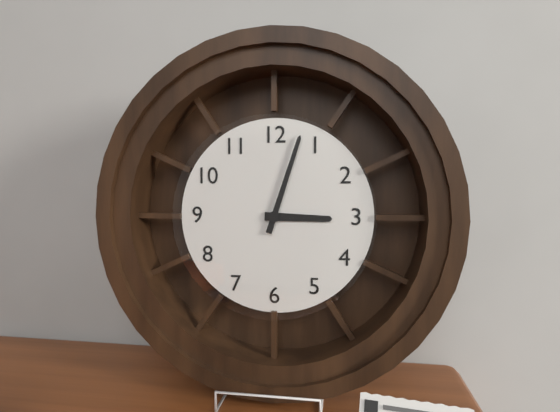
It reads 3 h 03 min
